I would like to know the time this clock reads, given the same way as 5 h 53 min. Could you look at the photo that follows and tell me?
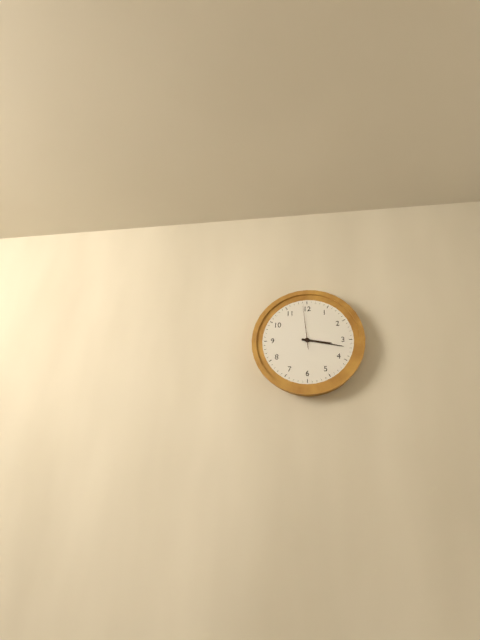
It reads 3 h 17 min
